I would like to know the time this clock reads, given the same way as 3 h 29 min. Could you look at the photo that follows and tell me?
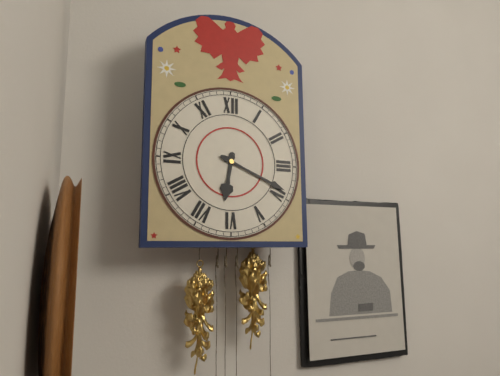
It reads 6 h 19 min
